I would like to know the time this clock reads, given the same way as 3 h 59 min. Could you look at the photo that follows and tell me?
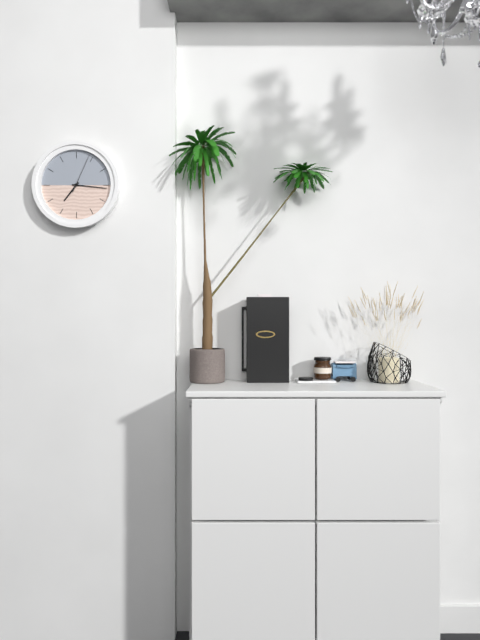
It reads 7 h 16 min
